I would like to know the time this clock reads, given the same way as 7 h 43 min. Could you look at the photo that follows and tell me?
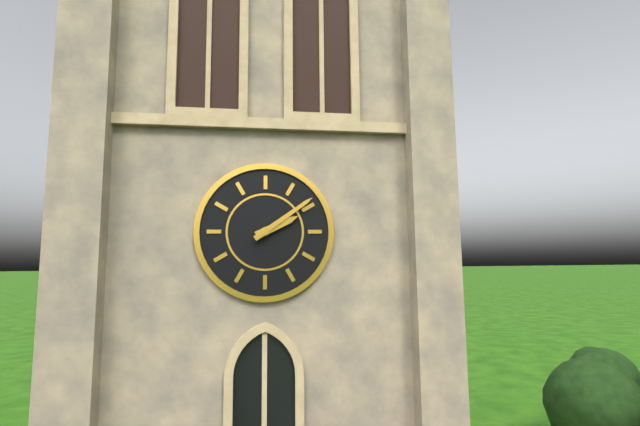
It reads 2 h 09 min
